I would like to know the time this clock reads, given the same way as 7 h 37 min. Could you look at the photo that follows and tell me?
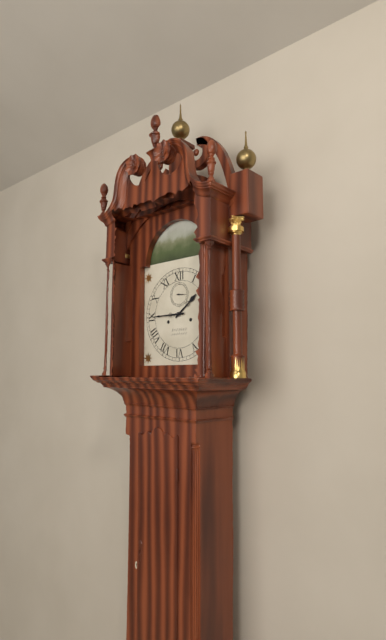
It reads 1 h 45 min
